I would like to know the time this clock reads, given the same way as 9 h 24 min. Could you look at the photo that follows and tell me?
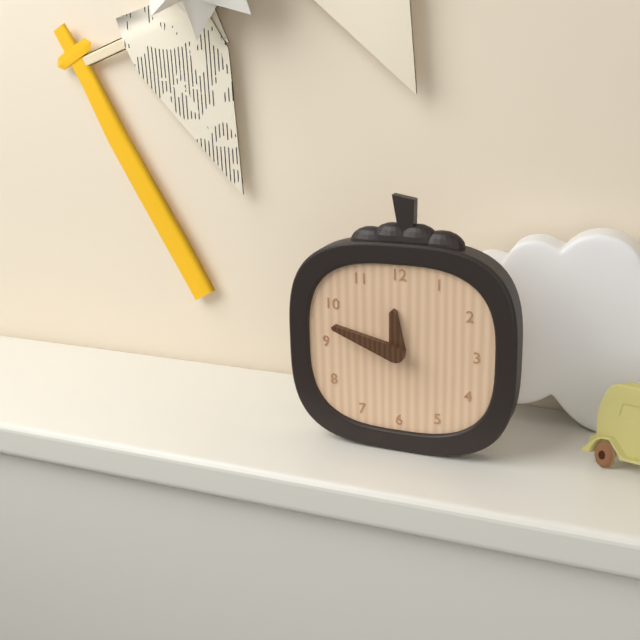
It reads 11 h 48 min
